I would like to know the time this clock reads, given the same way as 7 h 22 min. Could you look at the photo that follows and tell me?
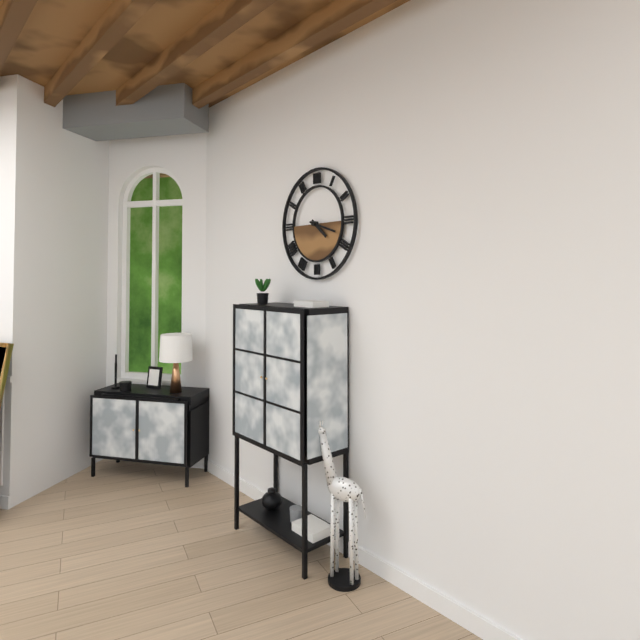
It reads 4 h 18 min
